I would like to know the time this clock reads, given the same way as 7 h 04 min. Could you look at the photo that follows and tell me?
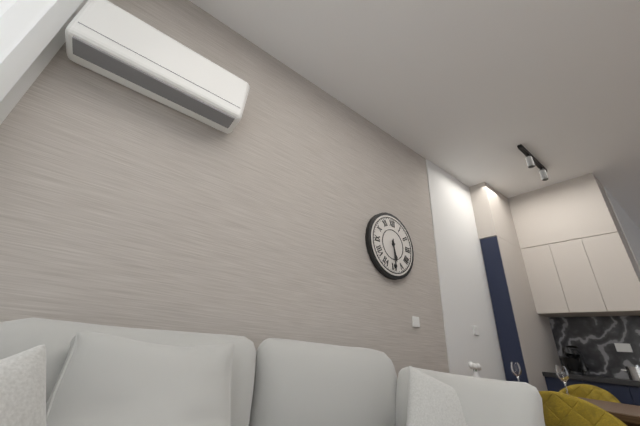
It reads 5 h 29 min
